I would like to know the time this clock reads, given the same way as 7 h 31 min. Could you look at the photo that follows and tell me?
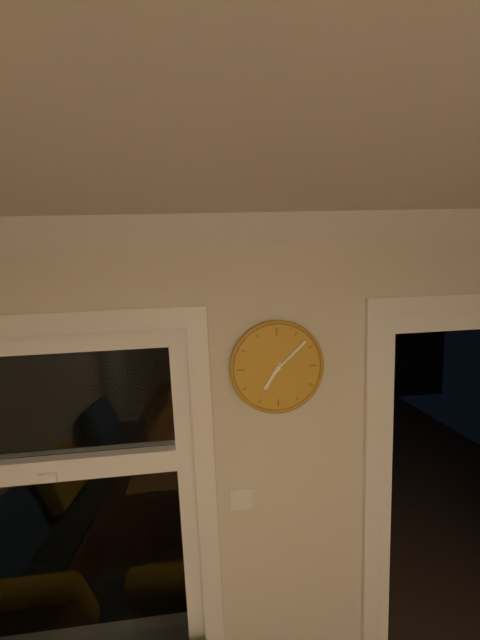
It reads 7 h 08 min
